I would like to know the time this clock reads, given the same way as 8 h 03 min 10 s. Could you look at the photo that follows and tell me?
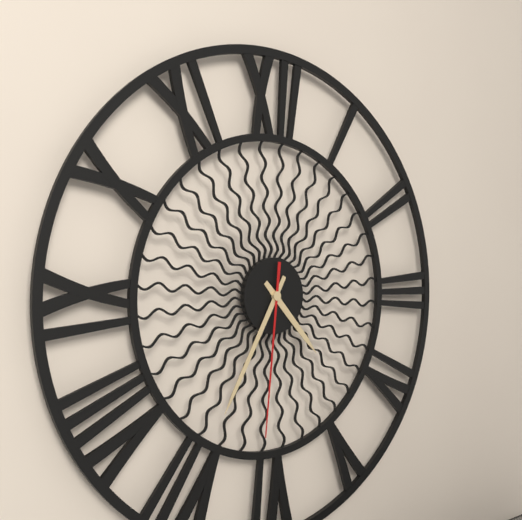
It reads 4 h 35 min 31 s
